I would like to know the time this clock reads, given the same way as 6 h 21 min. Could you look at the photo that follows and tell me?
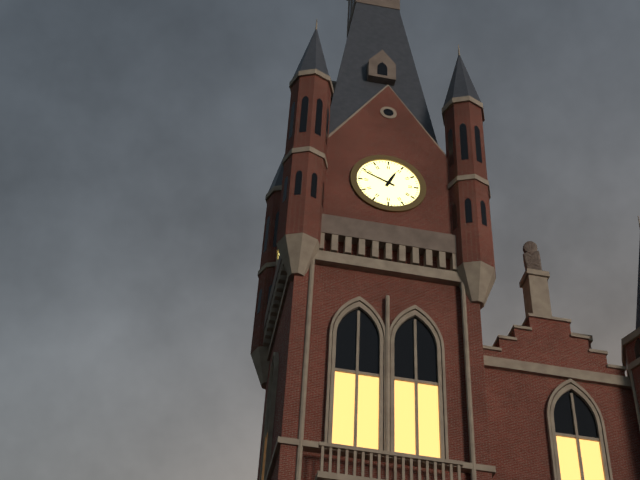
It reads 12 h 49 min
